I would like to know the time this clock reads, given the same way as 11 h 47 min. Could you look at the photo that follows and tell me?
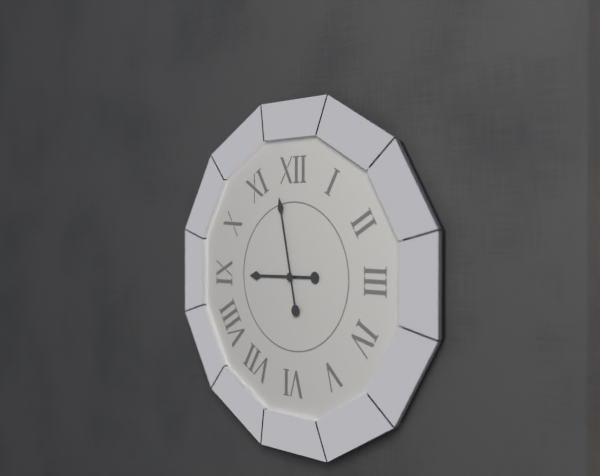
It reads 8 h 58 min
